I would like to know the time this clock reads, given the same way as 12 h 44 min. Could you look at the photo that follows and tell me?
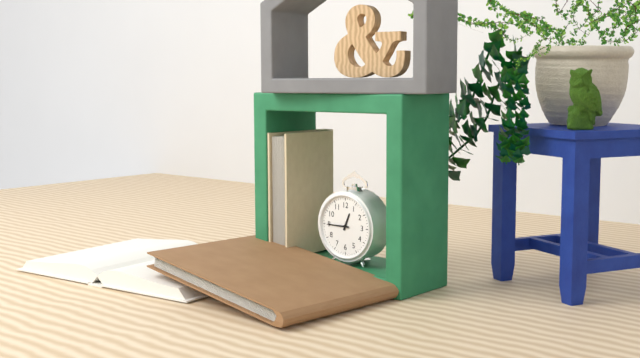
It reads 12 h 45 min
